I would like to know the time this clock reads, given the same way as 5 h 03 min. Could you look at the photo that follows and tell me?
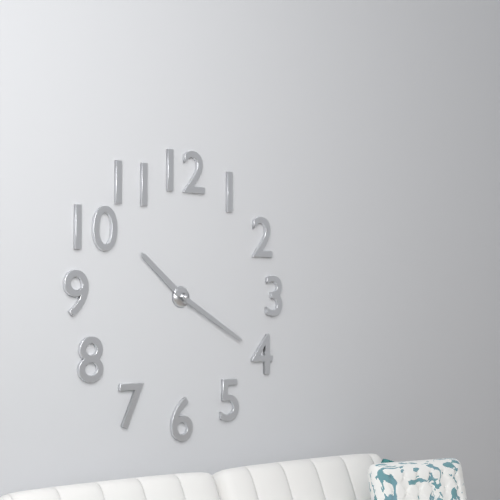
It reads 10 h 20 min
